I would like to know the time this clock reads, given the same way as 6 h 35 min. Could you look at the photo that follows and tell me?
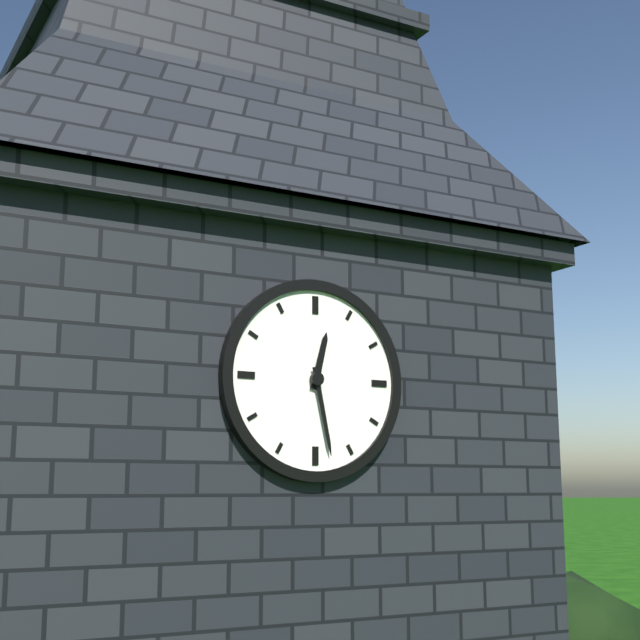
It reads 12 h 28 min
